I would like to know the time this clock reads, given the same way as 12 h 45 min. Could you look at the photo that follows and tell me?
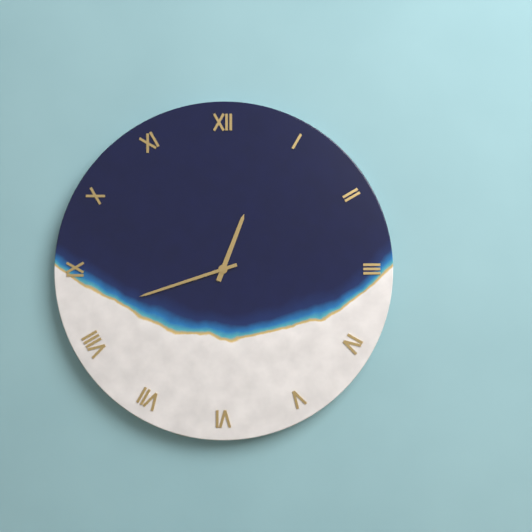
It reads 12 h 42 min
